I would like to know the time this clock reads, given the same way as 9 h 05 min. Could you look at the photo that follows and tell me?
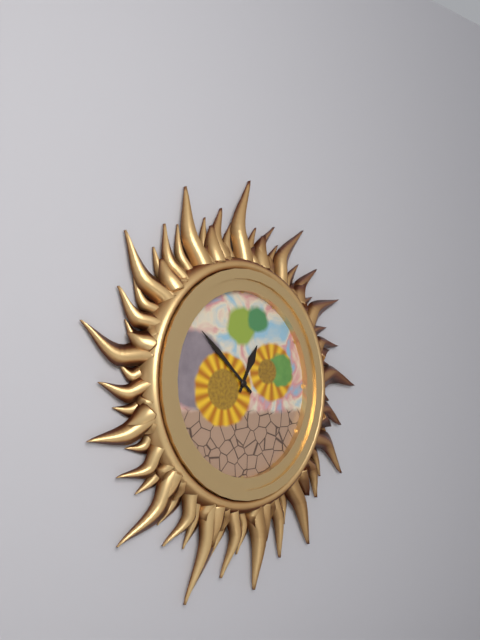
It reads 12 h 52 min
